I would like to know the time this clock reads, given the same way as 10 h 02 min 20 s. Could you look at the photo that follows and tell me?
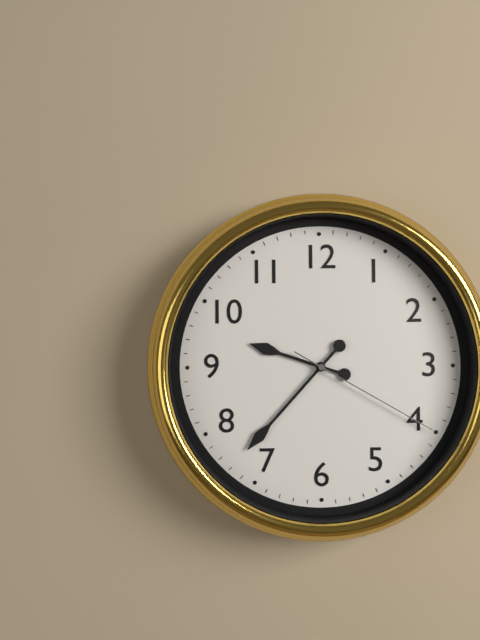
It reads 9 h 37 min 20 s
